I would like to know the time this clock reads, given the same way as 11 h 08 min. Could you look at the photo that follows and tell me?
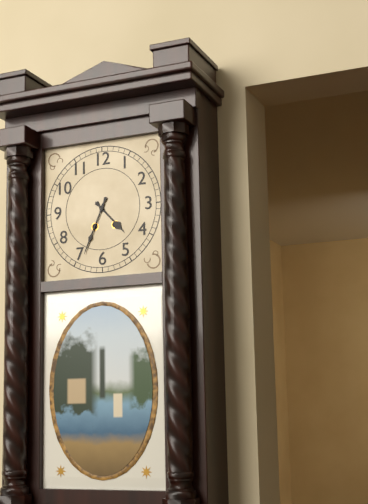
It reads 4 h 34 min
